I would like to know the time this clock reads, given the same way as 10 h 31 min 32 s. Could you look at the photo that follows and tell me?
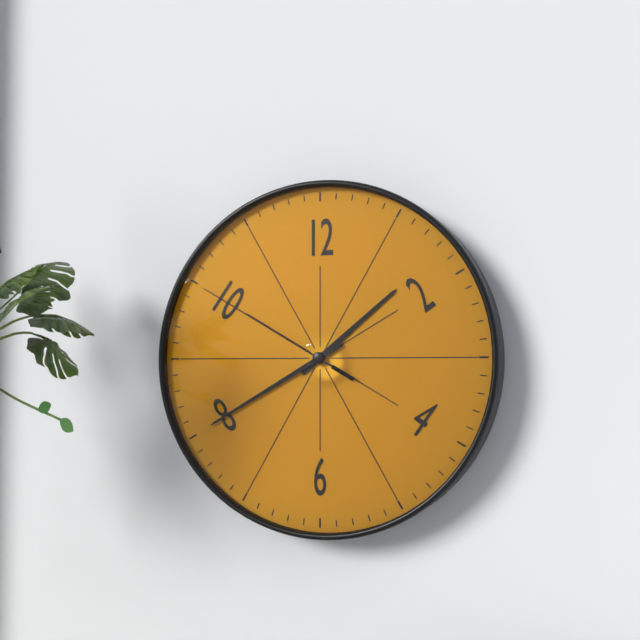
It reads 1 h 40 min 50 s
